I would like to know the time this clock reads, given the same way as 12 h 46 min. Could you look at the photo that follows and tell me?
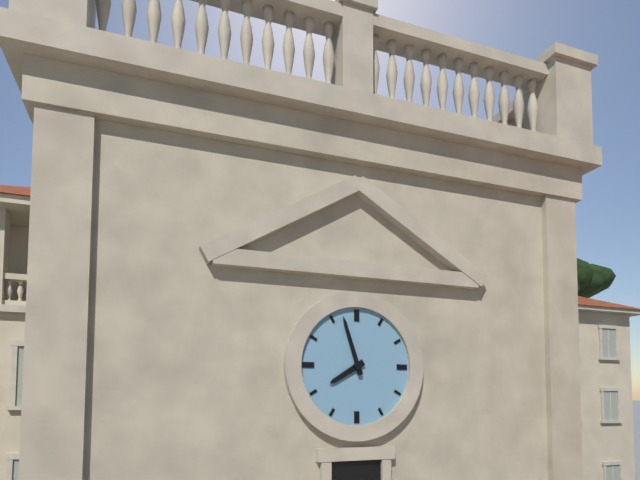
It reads 7 h 57 min
